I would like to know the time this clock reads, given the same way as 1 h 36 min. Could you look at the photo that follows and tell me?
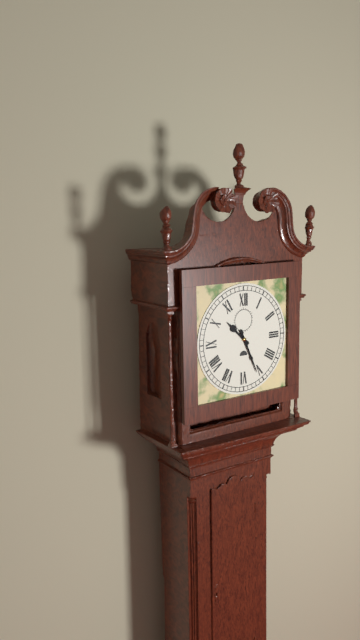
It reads 10 h 26 min
